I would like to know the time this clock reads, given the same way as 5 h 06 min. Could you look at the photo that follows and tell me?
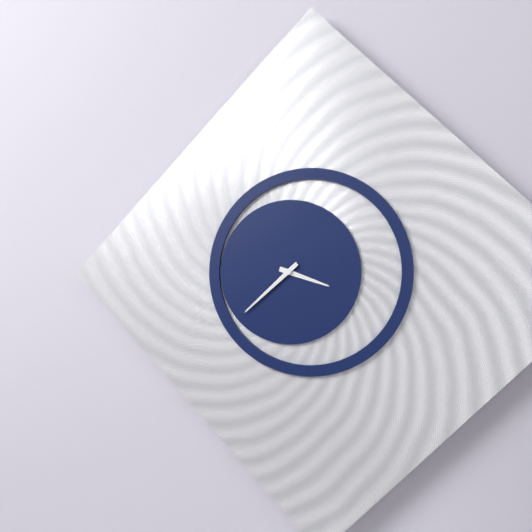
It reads 3 h 38 min
